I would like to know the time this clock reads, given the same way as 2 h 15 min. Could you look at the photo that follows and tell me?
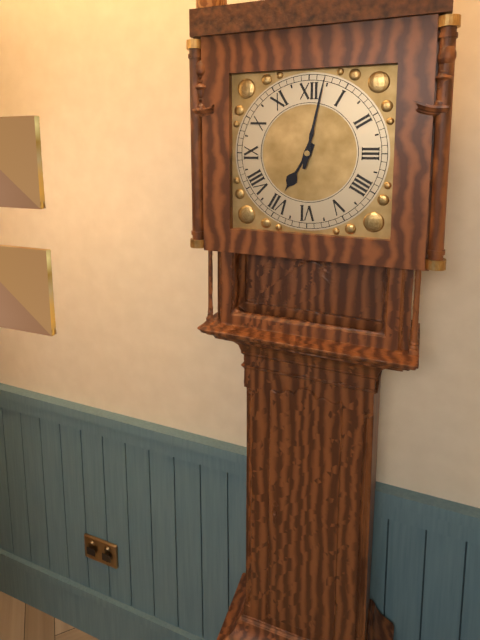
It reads 7 h 02 min
